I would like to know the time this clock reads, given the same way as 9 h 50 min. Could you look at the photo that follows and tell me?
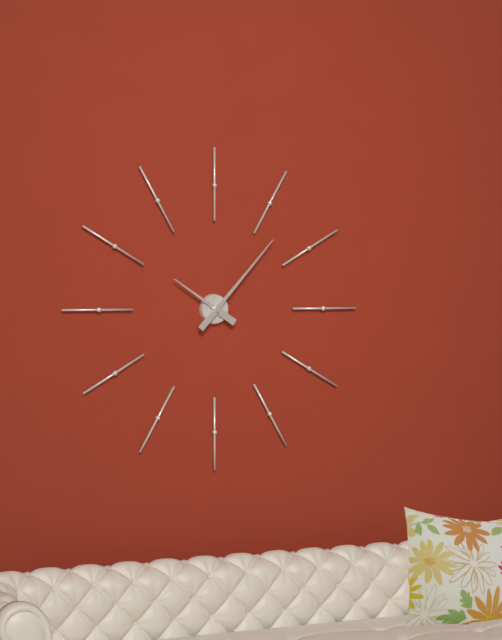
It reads 10 h 07 min
